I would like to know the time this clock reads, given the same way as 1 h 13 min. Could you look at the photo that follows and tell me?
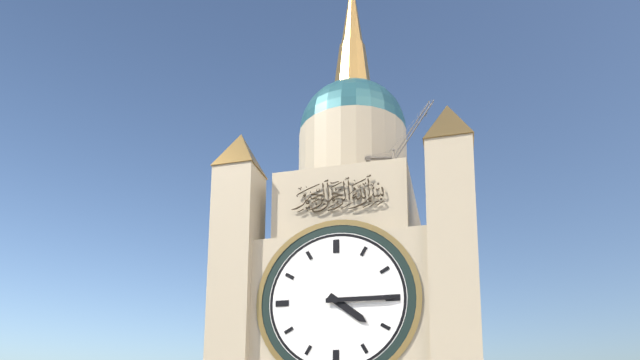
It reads 4 h 15 min
